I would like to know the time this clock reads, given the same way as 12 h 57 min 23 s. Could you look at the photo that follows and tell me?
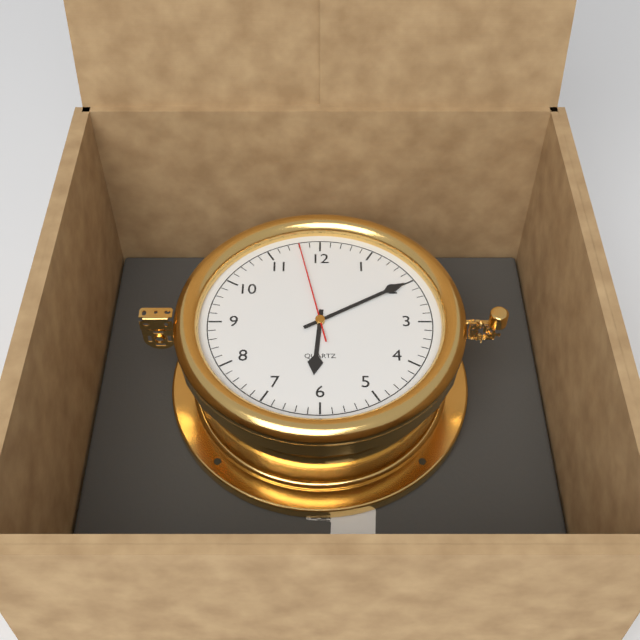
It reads 6 h 10 min 58 s
